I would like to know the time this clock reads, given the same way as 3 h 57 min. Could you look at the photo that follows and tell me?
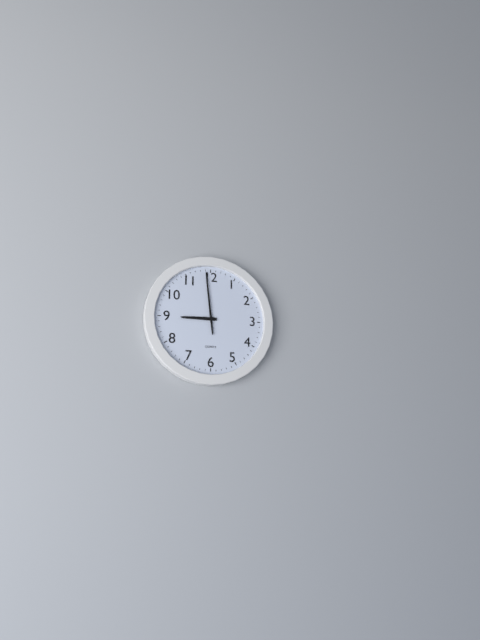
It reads 8 h 59 min
